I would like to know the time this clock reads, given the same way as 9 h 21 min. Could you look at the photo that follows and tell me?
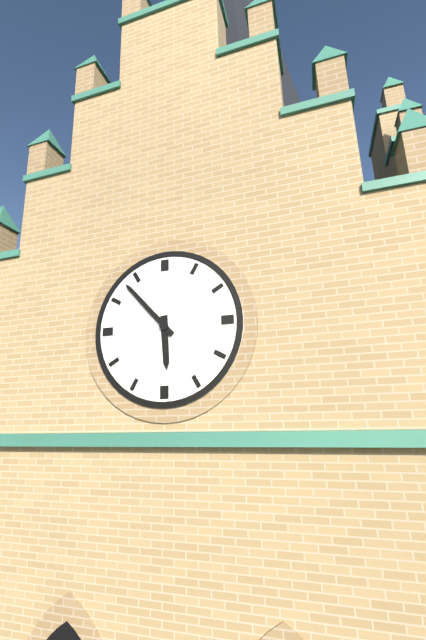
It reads 5 h 53 min
